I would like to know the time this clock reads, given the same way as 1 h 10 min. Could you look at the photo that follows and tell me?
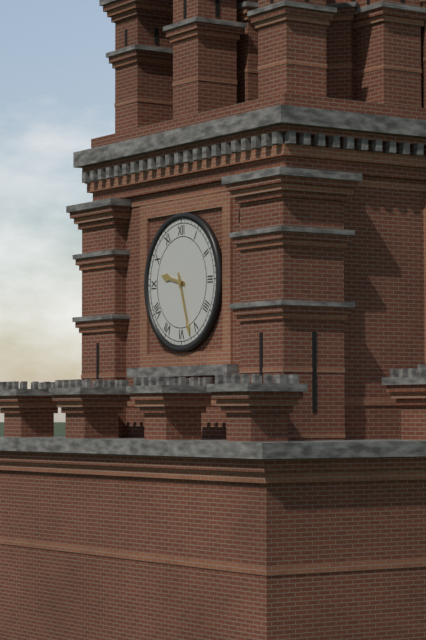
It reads 9 h 27 min
